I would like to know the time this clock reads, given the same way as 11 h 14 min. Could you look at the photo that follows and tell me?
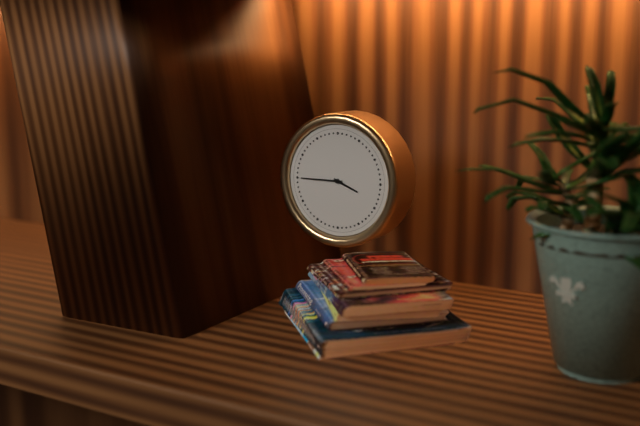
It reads 3 h 45 min
